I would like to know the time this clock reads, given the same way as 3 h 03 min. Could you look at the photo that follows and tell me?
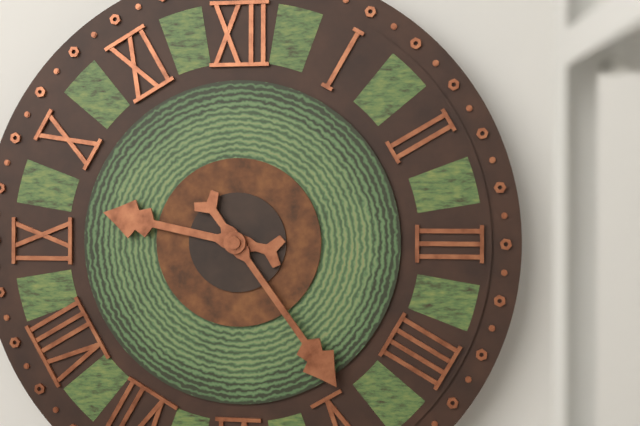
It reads 9 h 24 min
